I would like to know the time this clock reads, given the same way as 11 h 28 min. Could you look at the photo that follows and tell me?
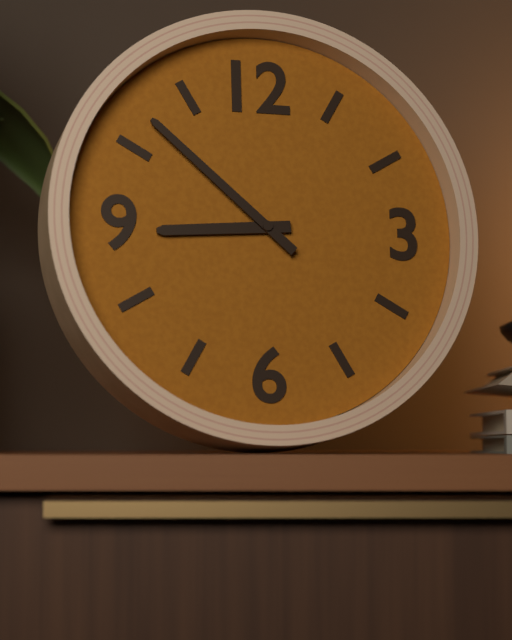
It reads 8 h 52 min
